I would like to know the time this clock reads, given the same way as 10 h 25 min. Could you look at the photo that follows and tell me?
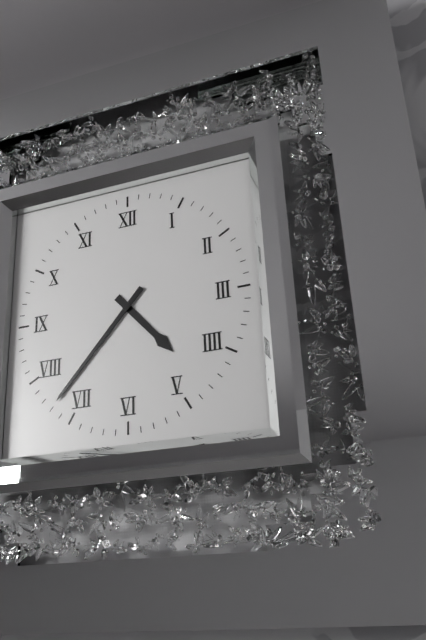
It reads 4 h 37 min
